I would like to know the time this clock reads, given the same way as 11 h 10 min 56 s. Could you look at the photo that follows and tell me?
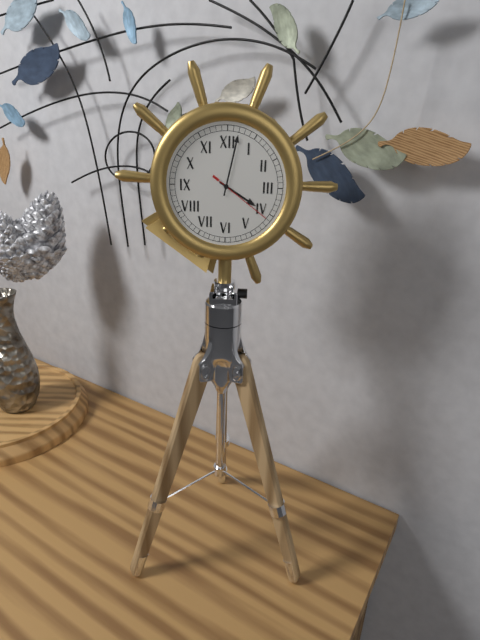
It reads 4 h 02 min 21 s
